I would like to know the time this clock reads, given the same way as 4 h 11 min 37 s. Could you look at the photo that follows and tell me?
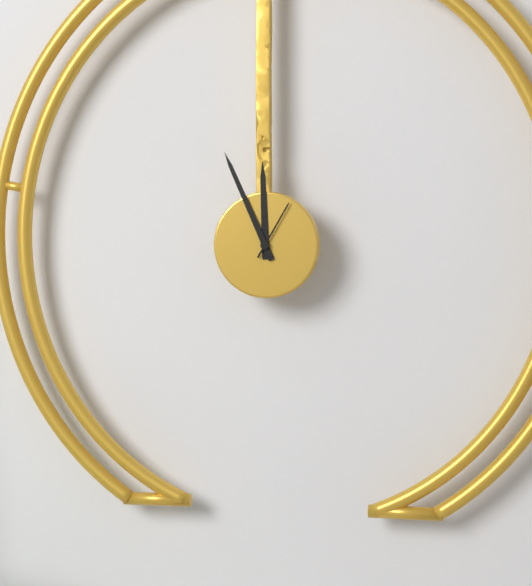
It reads 11 h 56 min 05 s
